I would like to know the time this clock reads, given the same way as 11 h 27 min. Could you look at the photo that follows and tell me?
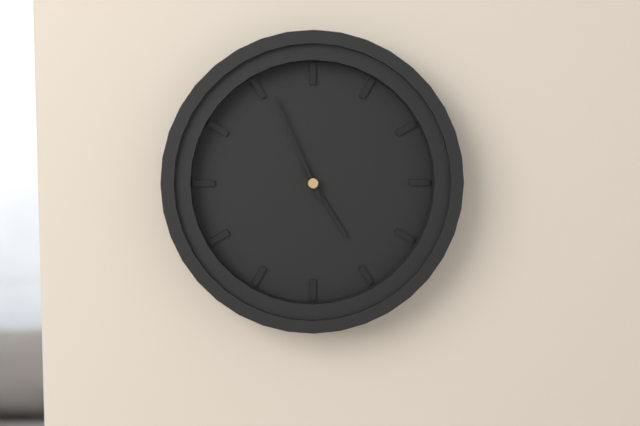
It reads 4 h 56 min
